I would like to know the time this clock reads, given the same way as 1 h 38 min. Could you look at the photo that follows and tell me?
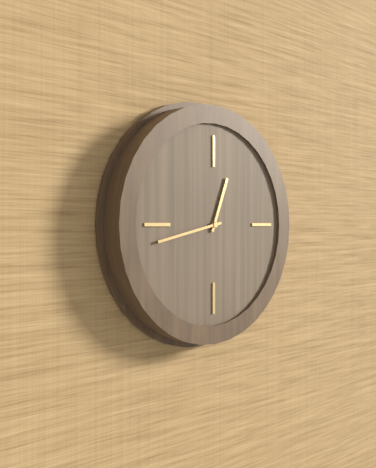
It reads 12 h 43 min
